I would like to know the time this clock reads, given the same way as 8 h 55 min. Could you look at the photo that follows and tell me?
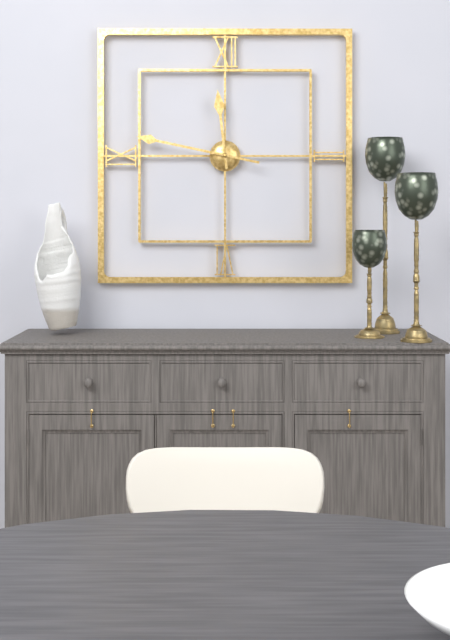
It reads 11 h 47 min
